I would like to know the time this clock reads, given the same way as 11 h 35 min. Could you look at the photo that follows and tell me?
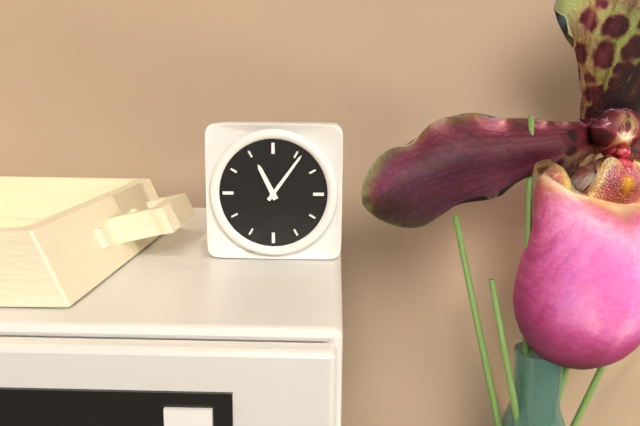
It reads 11 h 06 min
